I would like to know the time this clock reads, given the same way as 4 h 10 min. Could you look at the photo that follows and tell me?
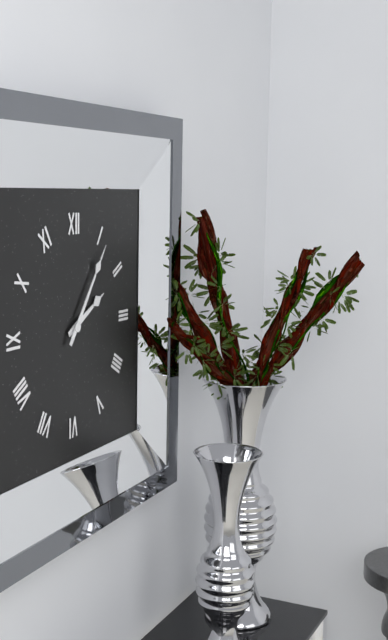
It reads 2 h 06 min
